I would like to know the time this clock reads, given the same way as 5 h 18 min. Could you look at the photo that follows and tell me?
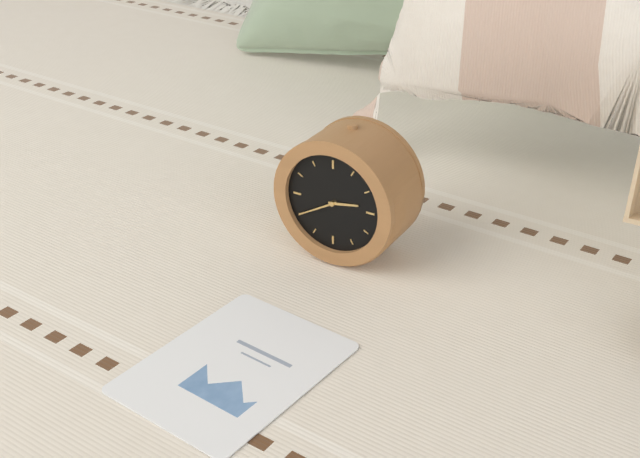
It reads 2 h 40 min
